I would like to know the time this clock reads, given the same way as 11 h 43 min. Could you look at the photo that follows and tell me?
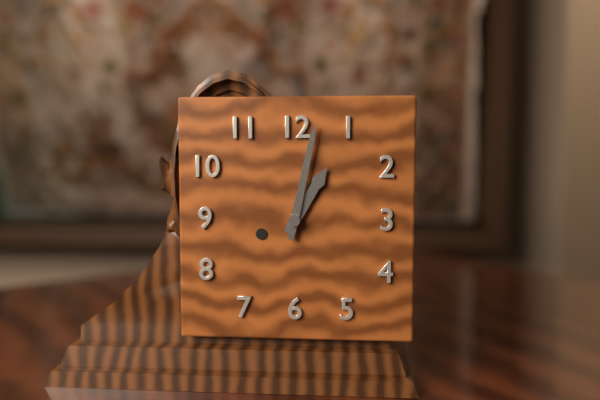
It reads 1 h 02 min
